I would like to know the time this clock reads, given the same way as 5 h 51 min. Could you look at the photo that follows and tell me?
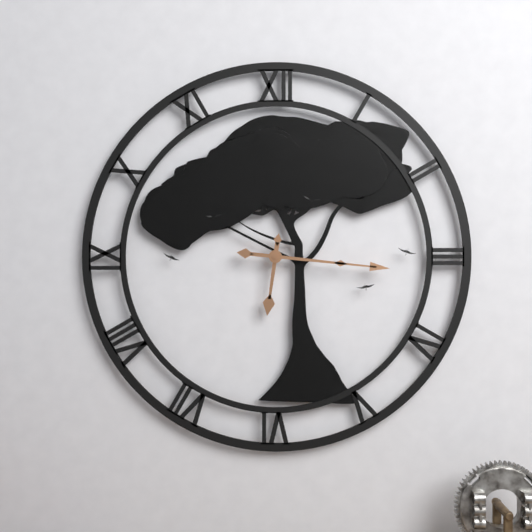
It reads 6 h 16 min
